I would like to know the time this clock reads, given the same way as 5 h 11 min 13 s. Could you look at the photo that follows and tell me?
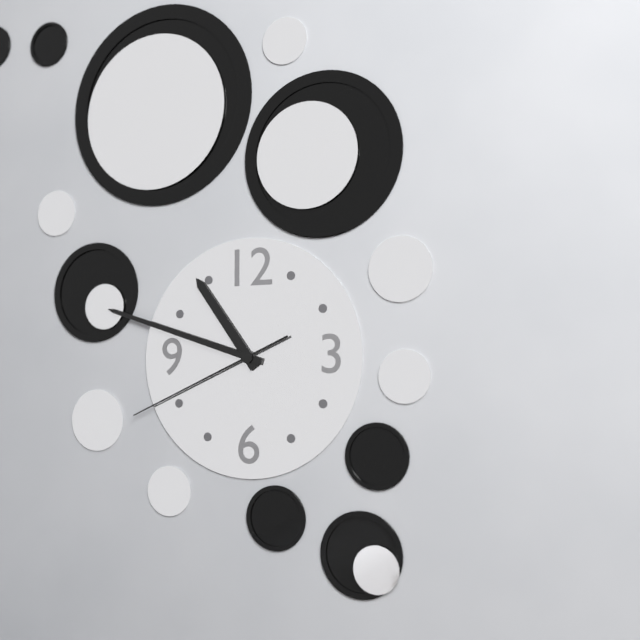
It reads 10 h 48 min 41 s
